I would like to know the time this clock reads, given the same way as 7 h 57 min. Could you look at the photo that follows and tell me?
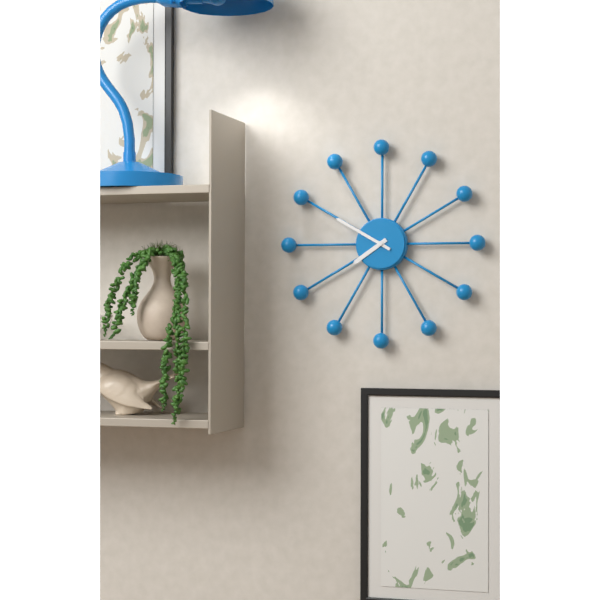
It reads 7 h 50 min
